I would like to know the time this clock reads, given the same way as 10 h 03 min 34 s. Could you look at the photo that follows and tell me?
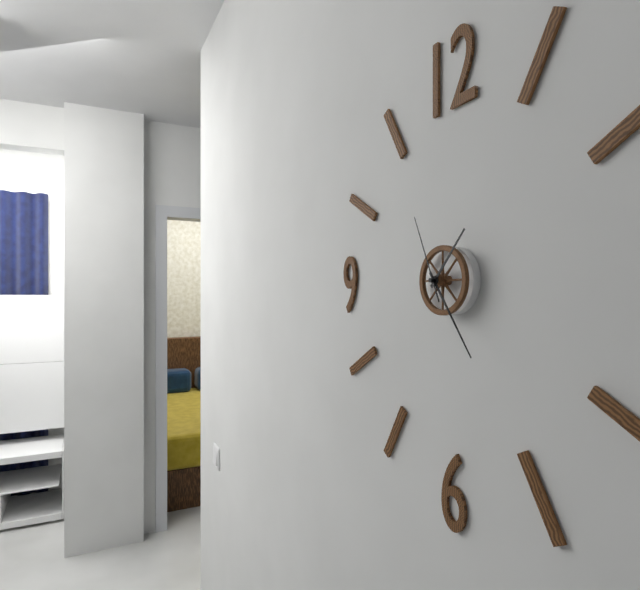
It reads 1 h 24 min 56 s
